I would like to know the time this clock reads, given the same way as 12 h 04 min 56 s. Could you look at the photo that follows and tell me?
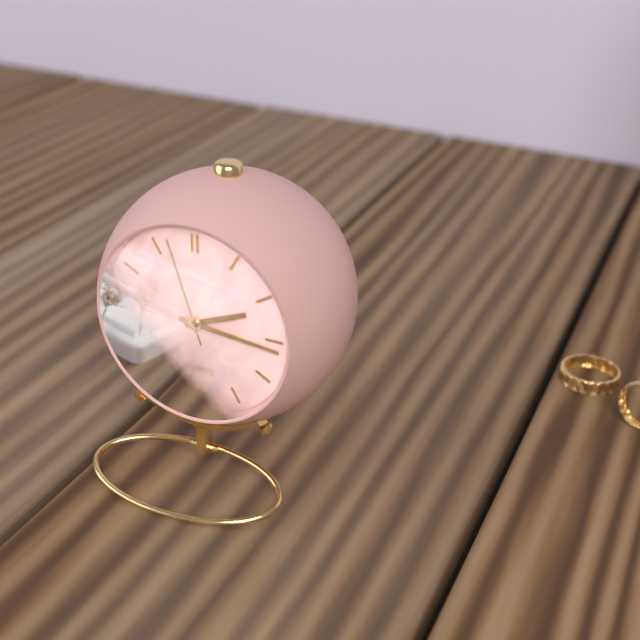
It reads 2 h 16 min 57 s
